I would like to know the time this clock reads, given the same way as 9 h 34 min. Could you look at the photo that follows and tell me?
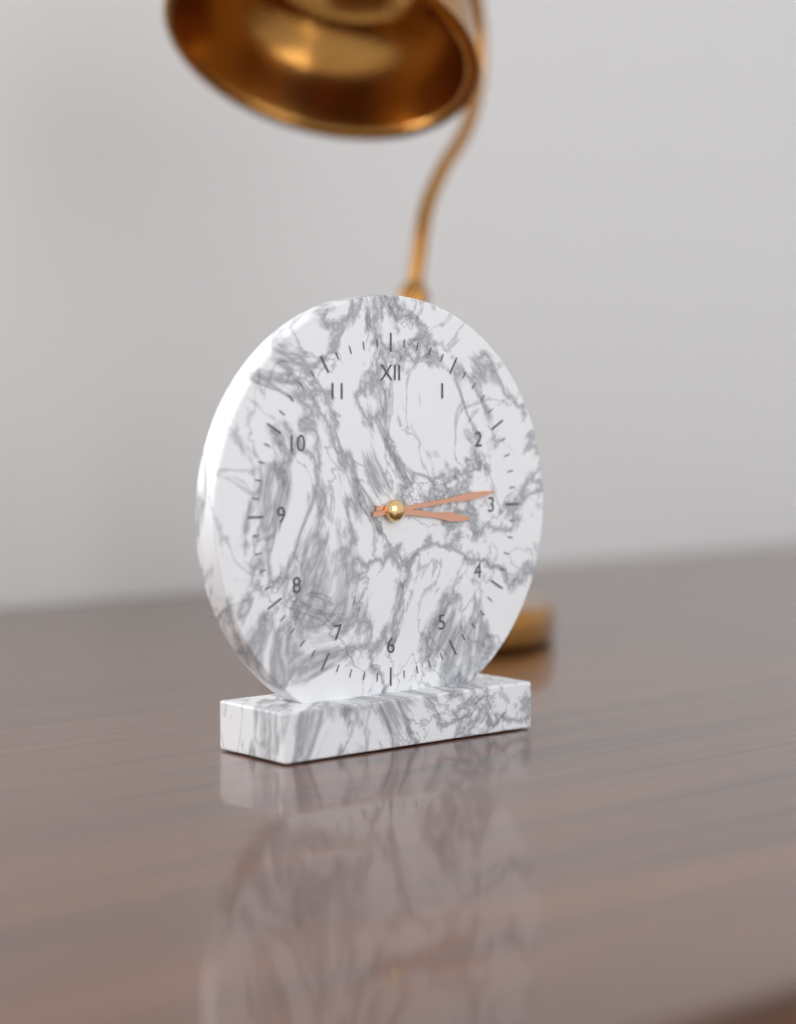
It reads 3 h 14 min
